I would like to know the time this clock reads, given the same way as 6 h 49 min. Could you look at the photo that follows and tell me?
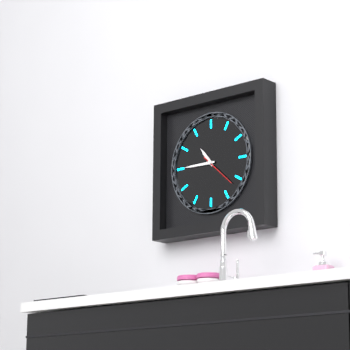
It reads 10 h 45 min
